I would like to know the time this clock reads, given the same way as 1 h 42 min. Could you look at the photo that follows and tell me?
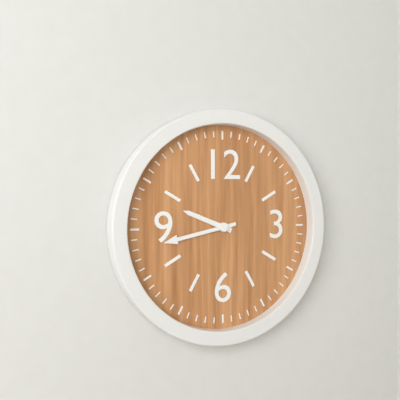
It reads 9 h 43 min
